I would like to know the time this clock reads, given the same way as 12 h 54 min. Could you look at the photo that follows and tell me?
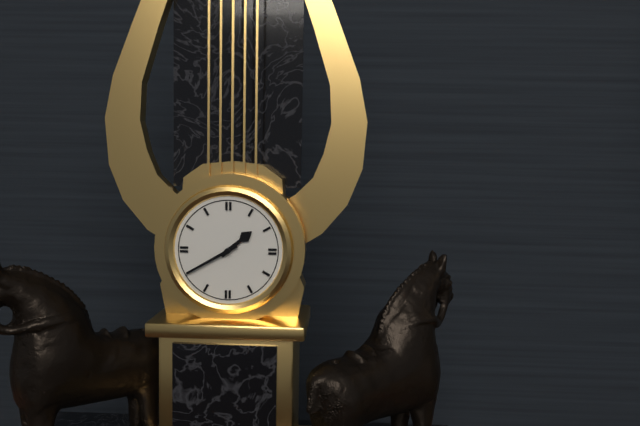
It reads 1 h 40 min
